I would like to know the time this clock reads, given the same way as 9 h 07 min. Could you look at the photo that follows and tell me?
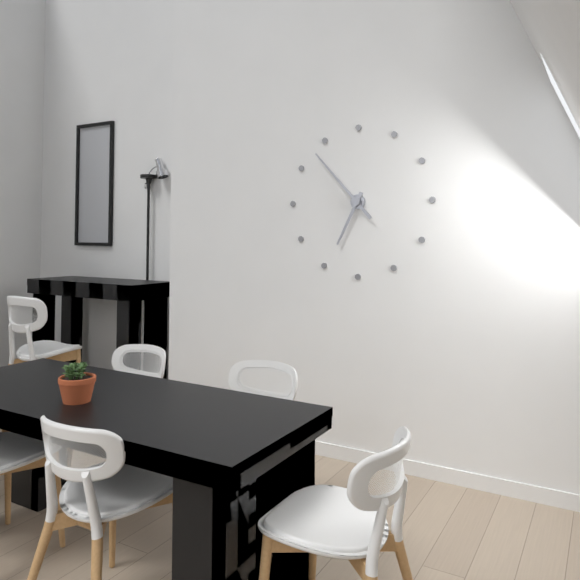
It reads 6 h 53 min
